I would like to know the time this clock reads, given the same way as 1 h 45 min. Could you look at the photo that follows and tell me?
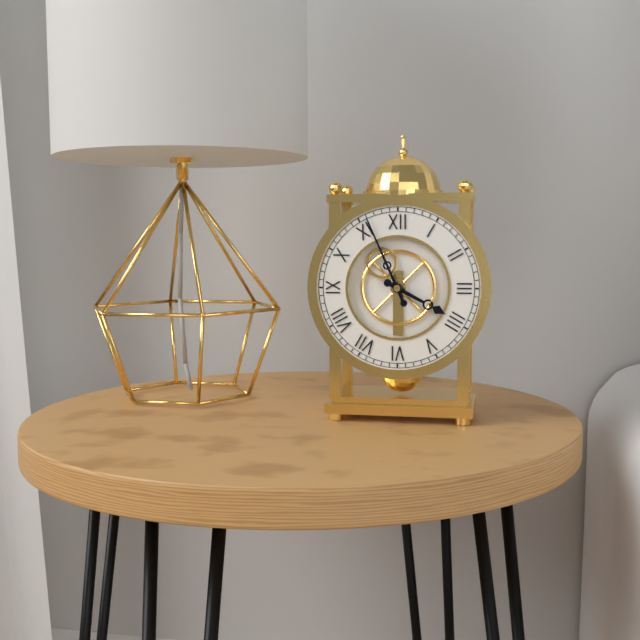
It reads 3 h 56 min
